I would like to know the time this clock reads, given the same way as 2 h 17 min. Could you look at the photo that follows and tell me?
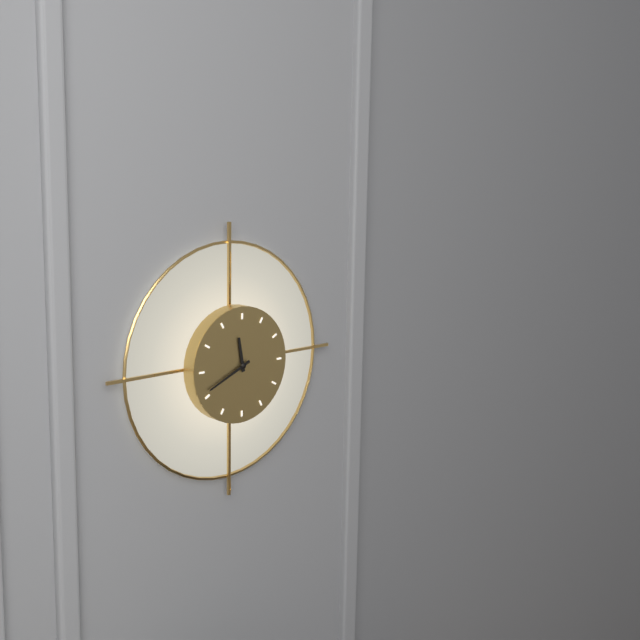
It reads 11 h 41 min
